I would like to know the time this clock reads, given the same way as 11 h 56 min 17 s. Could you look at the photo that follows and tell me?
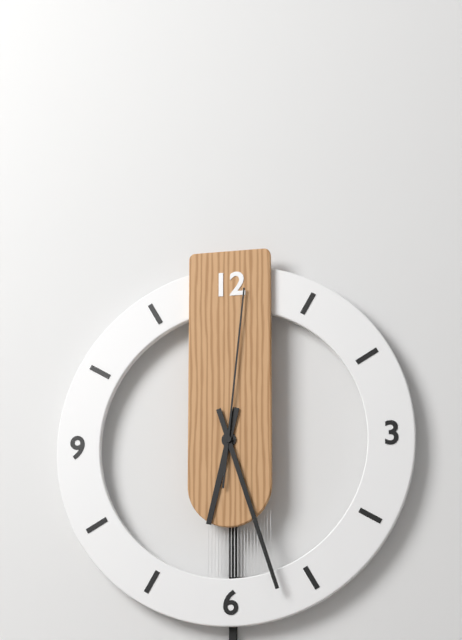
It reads 6 h 27 min 01 s
